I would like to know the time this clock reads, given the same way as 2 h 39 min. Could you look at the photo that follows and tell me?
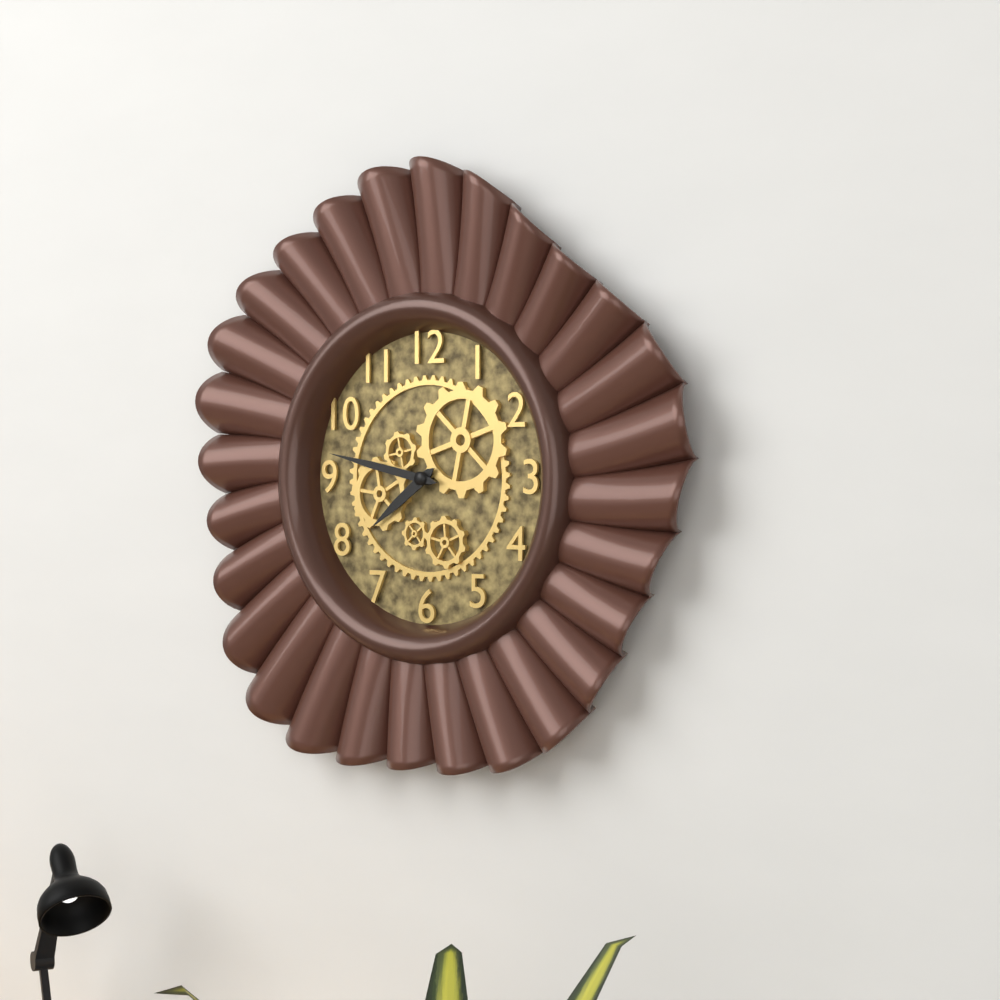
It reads 7 h 47 min
